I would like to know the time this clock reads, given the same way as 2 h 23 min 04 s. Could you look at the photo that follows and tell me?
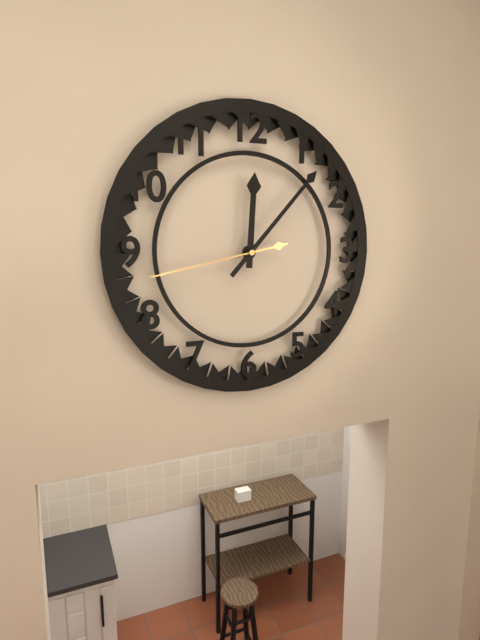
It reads 12 h 07 min 43 s
